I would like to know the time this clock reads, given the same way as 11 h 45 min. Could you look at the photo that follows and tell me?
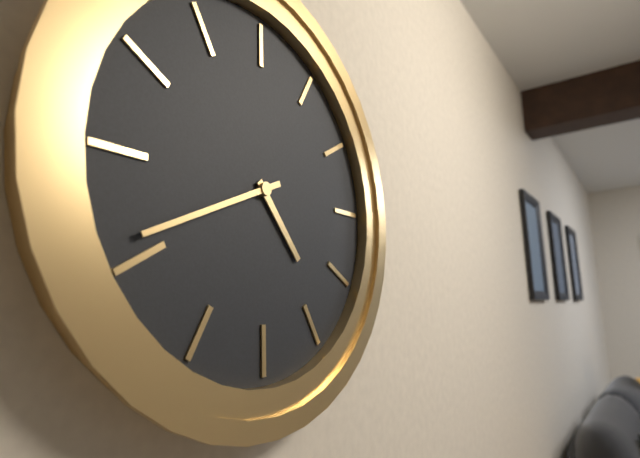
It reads 4 h 41 min
